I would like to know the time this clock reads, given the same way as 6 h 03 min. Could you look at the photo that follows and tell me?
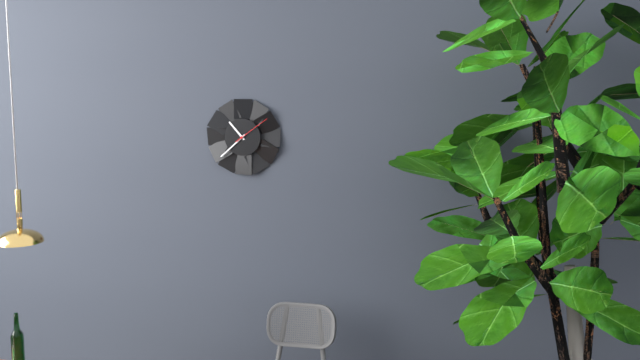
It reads 10 h 38 min
